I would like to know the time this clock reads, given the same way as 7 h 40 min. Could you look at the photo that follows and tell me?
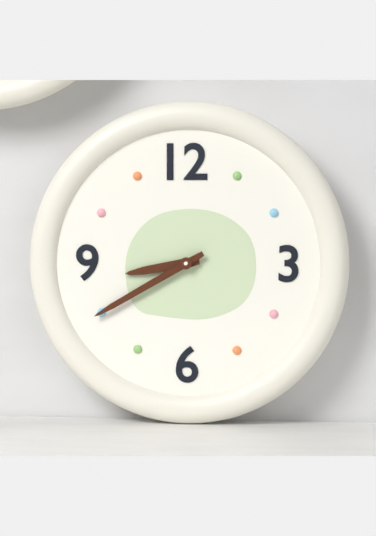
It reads 8 h 40 min
